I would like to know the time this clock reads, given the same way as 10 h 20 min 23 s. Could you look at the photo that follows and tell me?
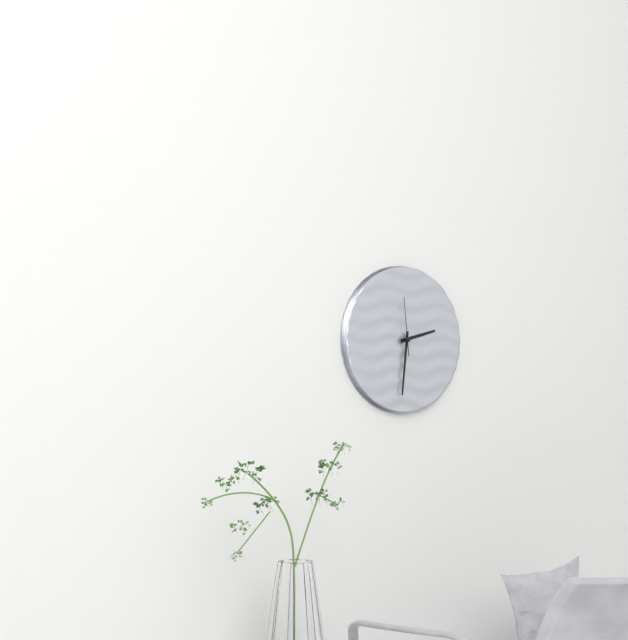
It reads 2 h 31 min 59 s
